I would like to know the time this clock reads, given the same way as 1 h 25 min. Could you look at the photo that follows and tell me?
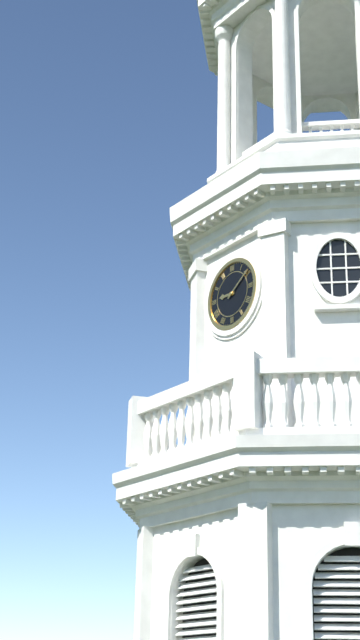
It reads 9 h 09 min
